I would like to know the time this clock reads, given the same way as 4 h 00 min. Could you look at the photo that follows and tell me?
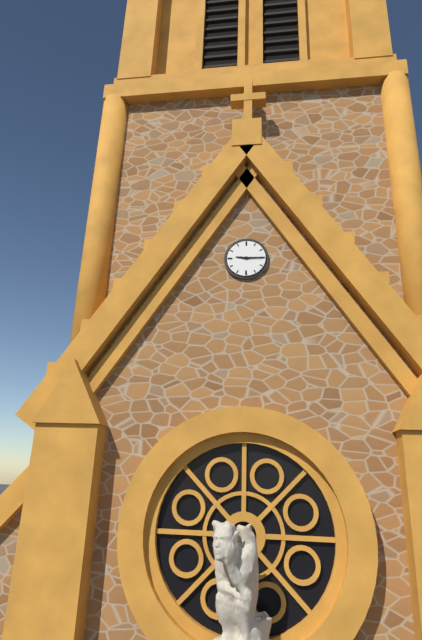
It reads 9 h 15 min
